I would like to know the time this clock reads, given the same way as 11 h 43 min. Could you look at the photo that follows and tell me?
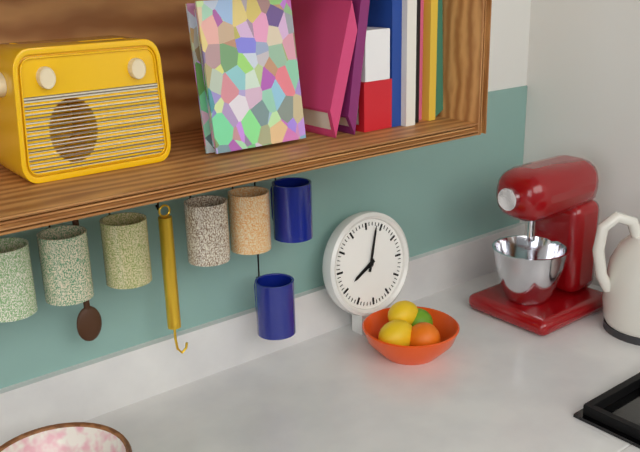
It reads 8 h 03 min
